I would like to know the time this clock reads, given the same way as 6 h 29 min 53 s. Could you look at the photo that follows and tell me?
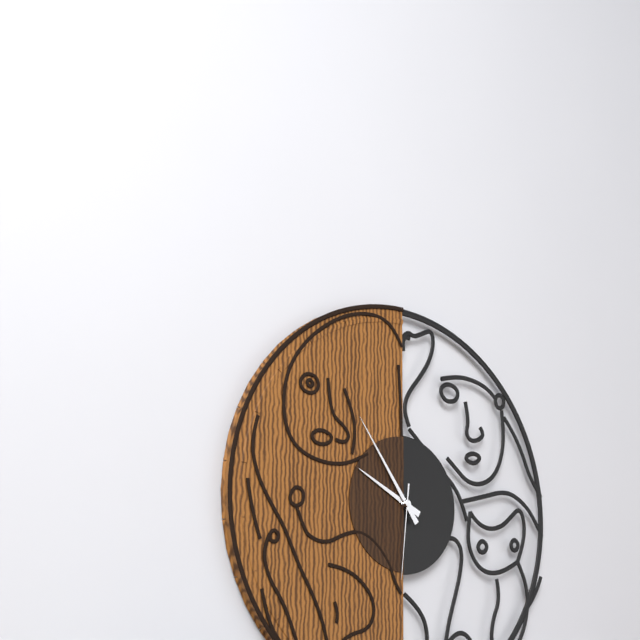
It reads 9 h 54 min 31 s
